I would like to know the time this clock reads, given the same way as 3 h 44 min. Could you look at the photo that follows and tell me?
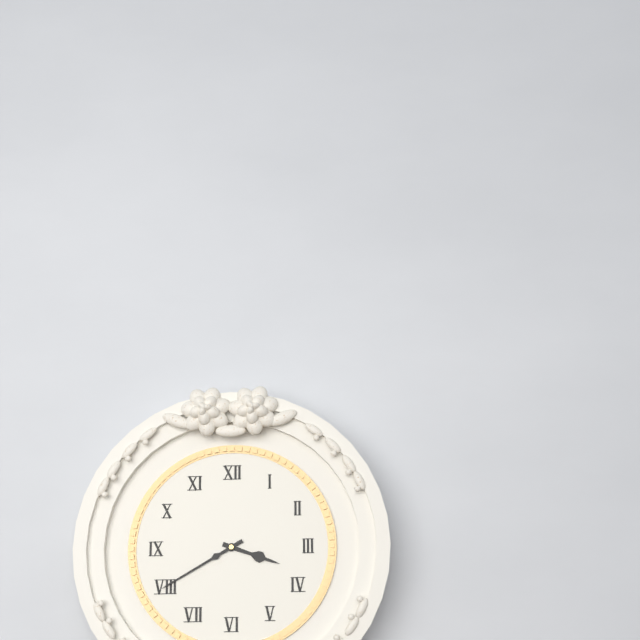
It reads 3 h 40 min
